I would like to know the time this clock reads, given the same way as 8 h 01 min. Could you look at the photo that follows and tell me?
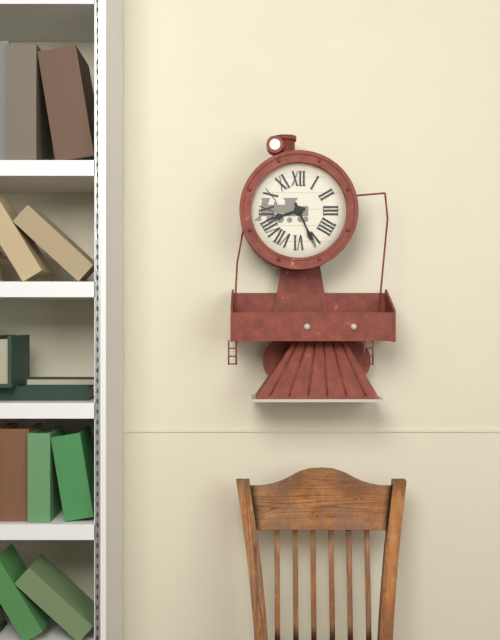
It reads 8 h 26 min
